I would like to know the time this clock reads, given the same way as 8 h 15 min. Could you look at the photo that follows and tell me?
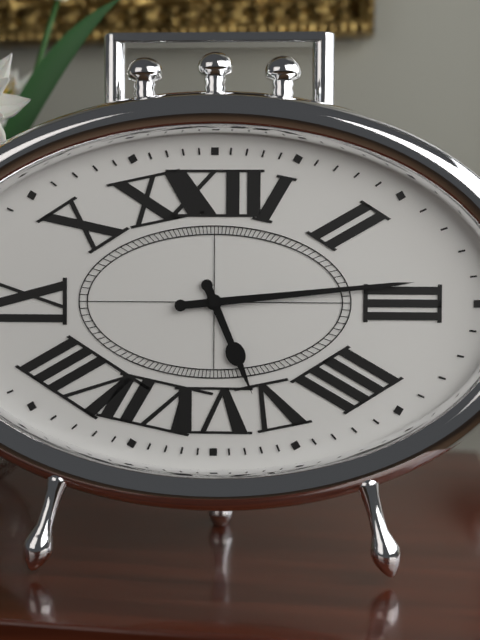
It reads 5 h 14 min
